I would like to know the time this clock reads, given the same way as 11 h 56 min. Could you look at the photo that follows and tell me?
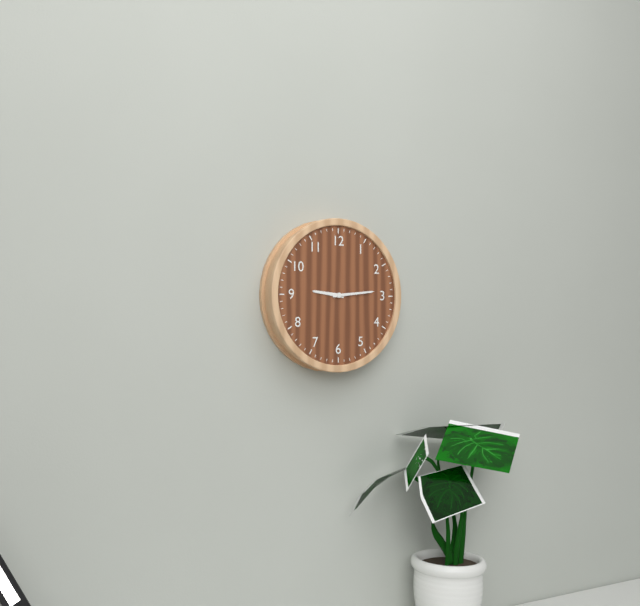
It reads 9 h 14 min
